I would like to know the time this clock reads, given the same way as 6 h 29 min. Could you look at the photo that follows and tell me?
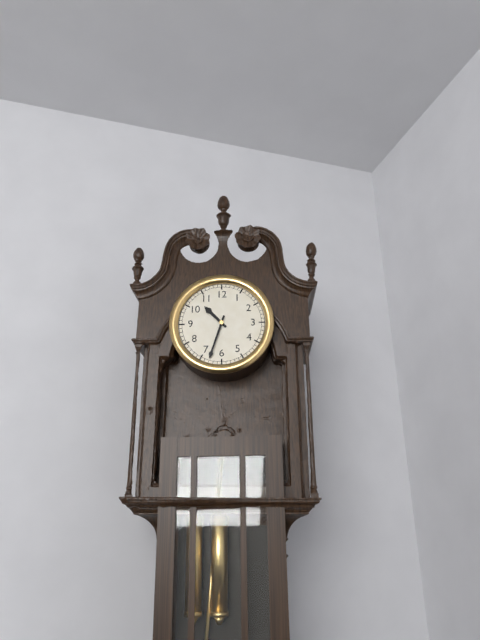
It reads 10 h 33 min
